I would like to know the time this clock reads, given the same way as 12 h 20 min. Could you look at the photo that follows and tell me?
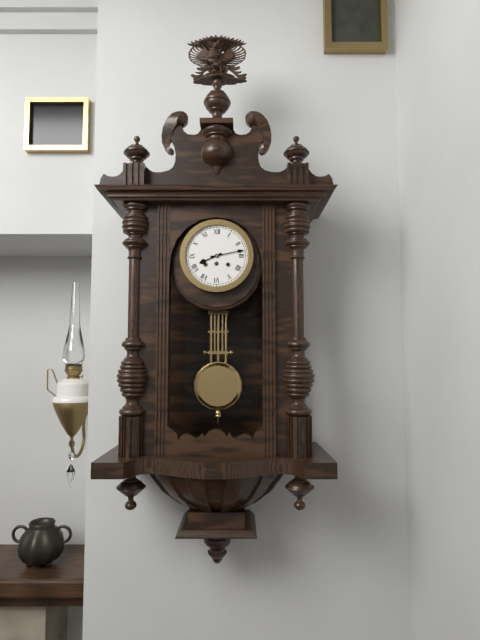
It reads 8 h 13 min
